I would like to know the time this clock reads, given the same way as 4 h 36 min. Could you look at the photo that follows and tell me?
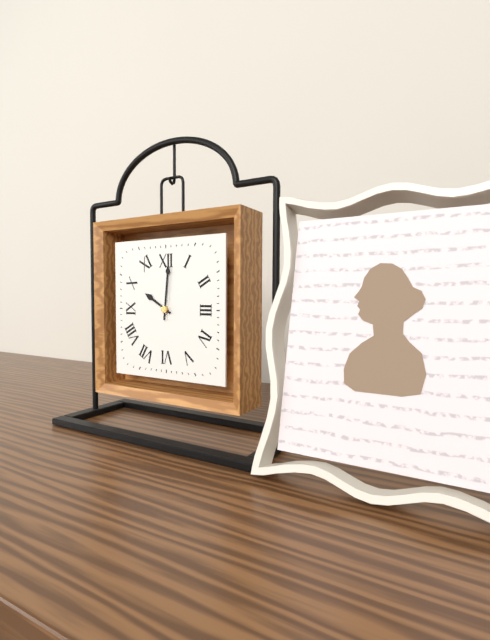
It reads 10 h 01 min
